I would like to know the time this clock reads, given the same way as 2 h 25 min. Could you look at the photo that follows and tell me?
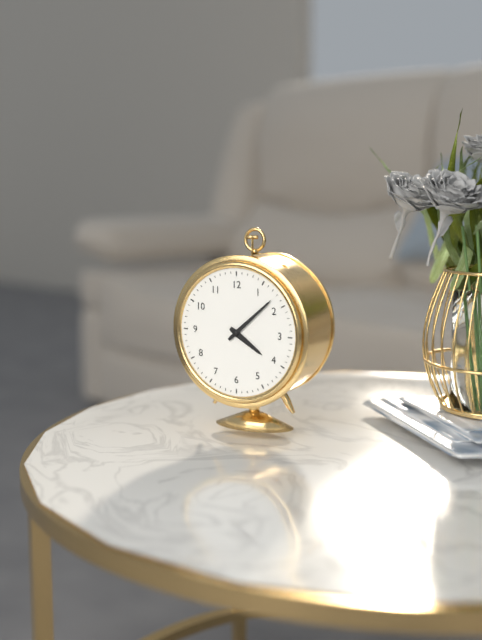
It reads 4 h 08 min
